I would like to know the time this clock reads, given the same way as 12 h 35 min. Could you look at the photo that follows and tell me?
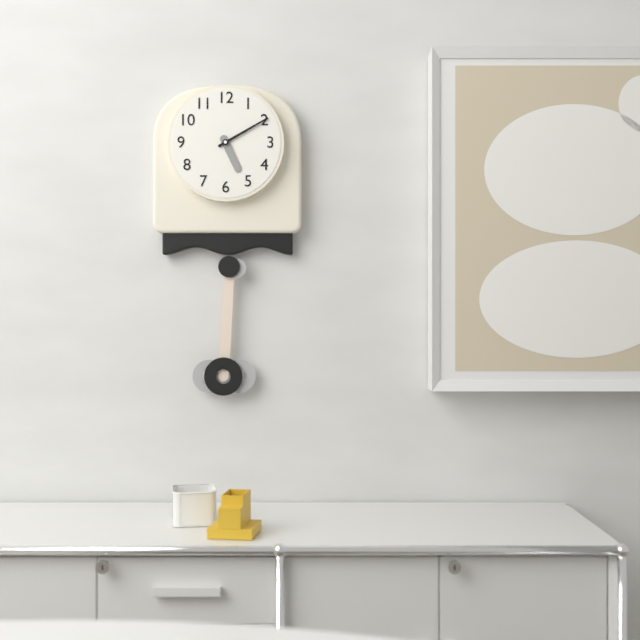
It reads 5 h 10 min
